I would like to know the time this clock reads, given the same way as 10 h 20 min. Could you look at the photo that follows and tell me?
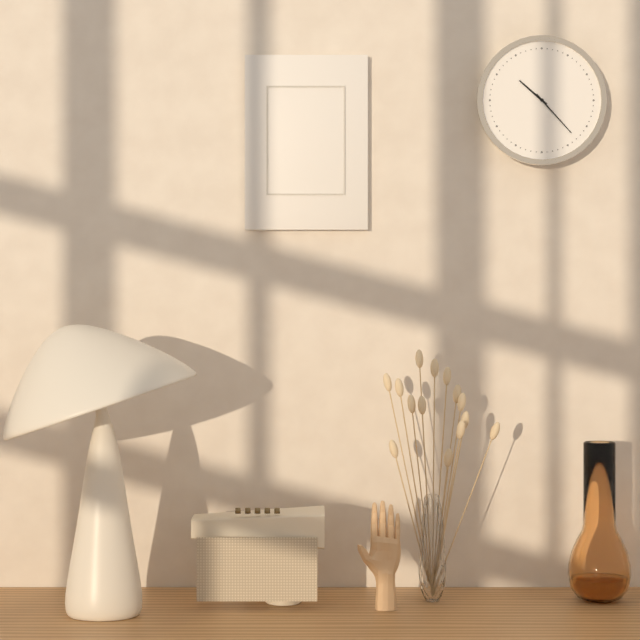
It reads 10 h 23 min
